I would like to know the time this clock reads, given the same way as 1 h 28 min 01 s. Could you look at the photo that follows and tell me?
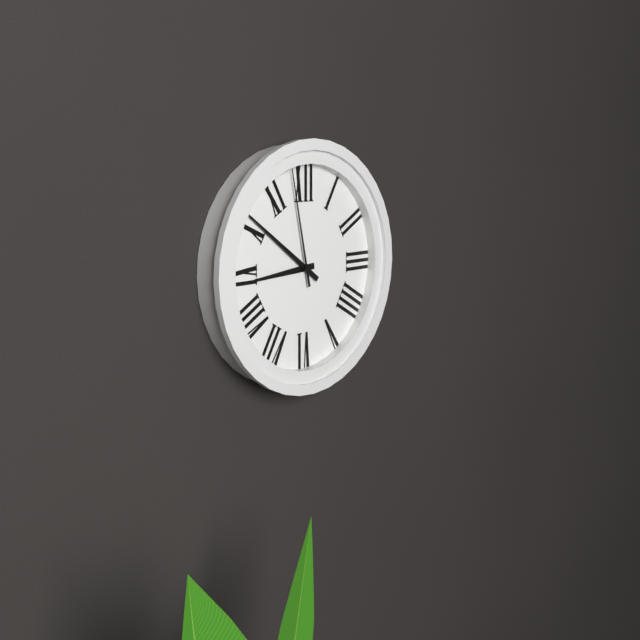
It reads 8 h 51 min 58 s
